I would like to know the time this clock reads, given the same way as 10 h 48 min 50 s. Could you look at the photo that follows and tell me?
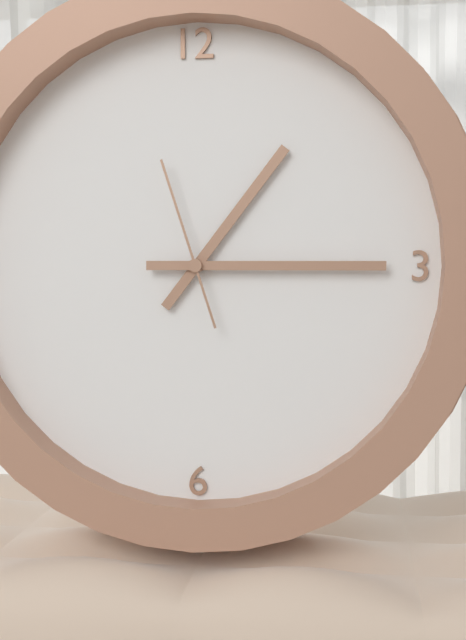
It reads 1 h 15 min 57 s
